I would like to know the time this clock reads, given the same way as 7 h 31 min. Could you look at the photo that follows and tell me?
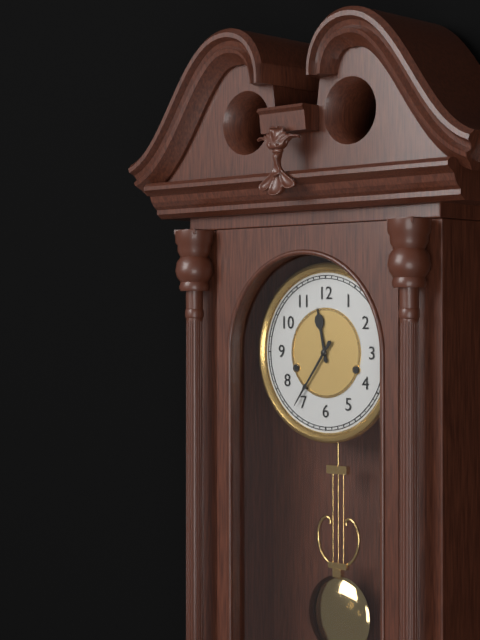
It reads 11 h 36 min
